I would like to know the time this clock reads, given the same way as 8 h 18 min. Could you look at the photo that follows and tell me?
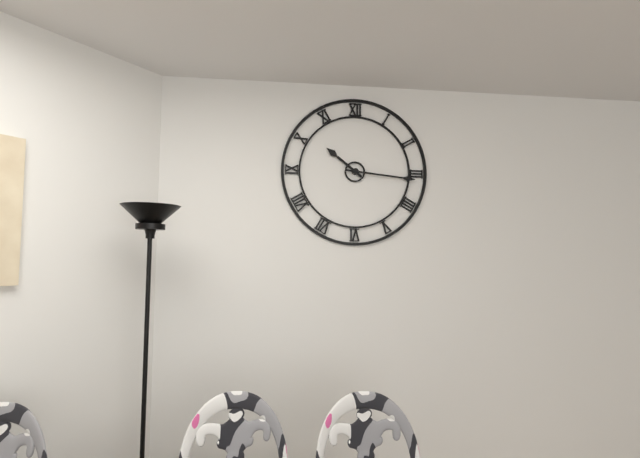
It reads 10 h 16 min
